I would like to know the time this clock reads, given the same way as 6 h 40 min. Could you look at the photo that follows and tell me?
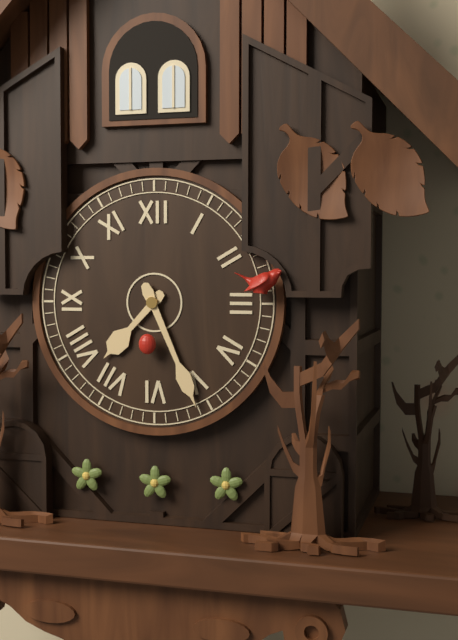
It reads 7 h 26 min
